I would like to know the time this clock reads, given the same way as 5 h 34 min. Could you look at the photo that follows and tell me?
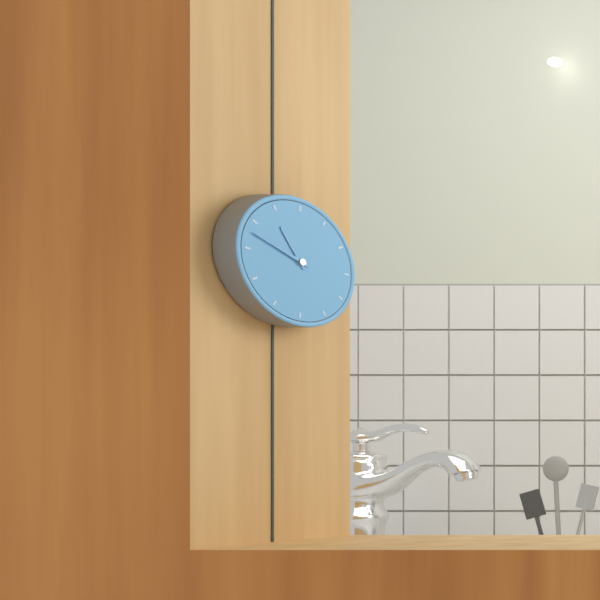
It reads 10 h 48 min
